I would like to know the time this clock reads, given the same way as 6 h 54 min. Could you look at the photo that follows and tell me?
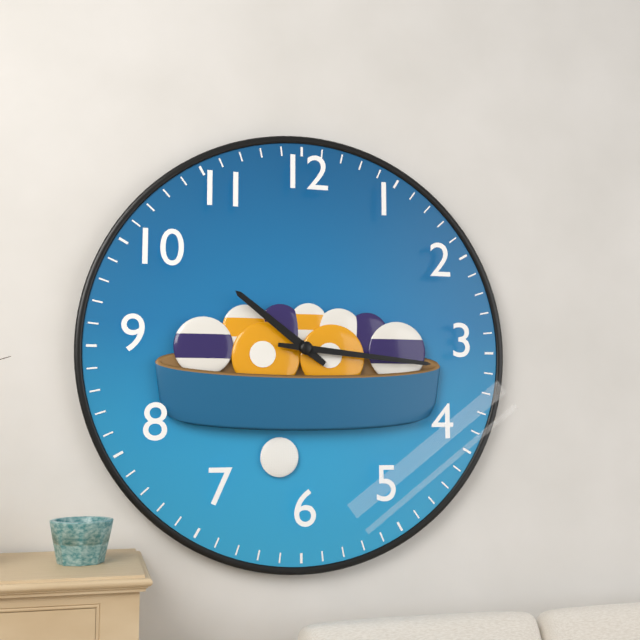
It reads 10 h 16 min
